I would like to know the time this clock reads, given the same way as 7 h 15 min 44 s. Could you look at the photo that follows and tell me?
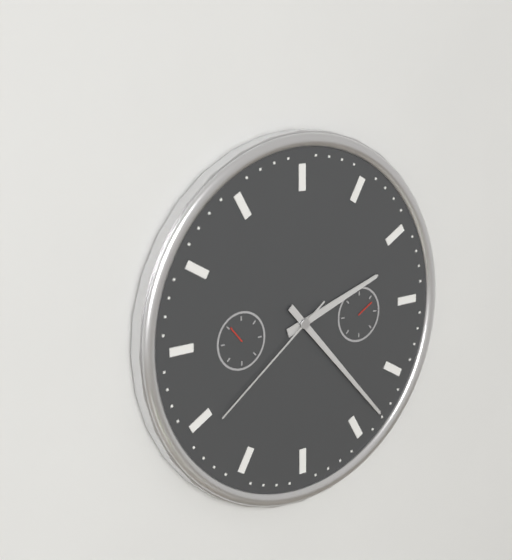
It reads 2 h 23 min 39 s
